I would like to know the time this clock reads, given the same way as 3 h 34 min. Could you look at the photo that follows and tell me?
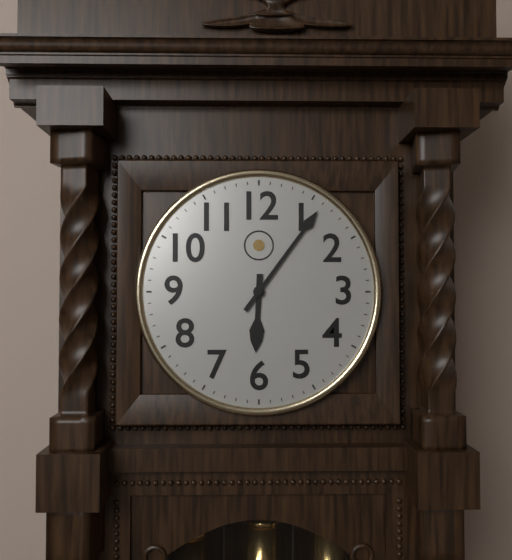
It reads 6 h 06 min
